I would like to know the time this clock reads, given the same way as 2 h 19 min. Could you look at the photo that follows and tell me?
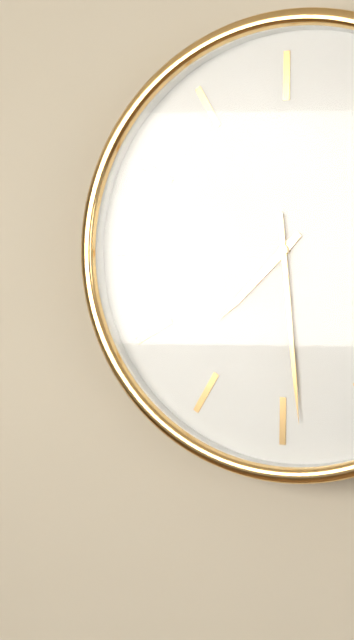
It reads 7 h 29 min
